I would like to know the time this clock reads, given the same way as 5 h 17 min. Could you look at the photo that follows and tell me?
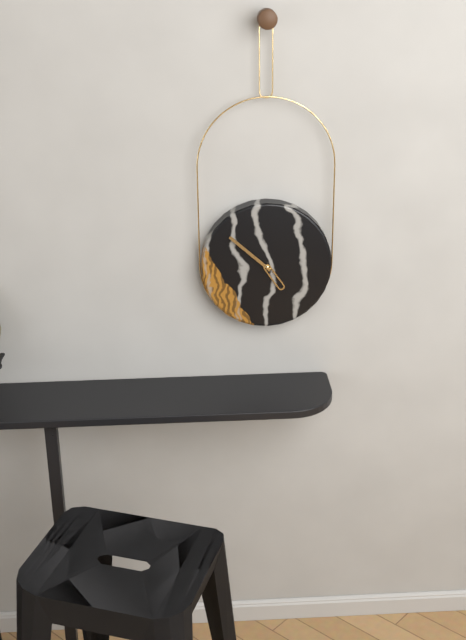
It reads 4 h 52 min
